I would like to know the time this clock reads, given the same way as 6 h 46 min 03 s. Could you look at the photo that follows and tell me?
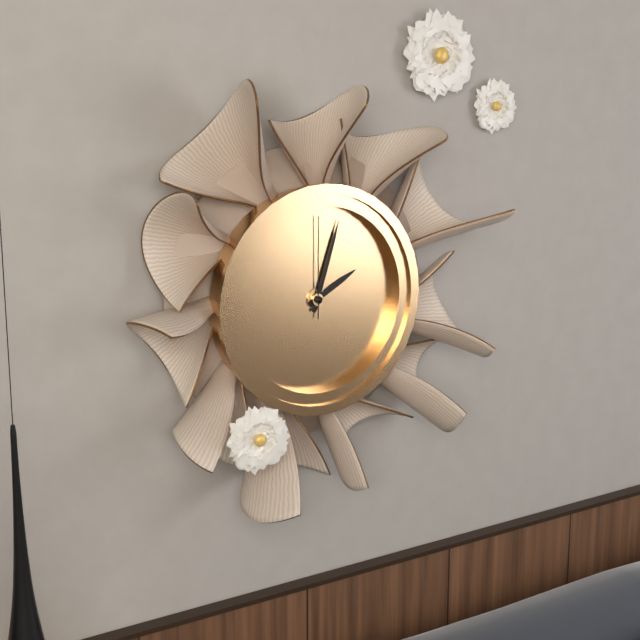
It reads 2 h 03 min 00 s
